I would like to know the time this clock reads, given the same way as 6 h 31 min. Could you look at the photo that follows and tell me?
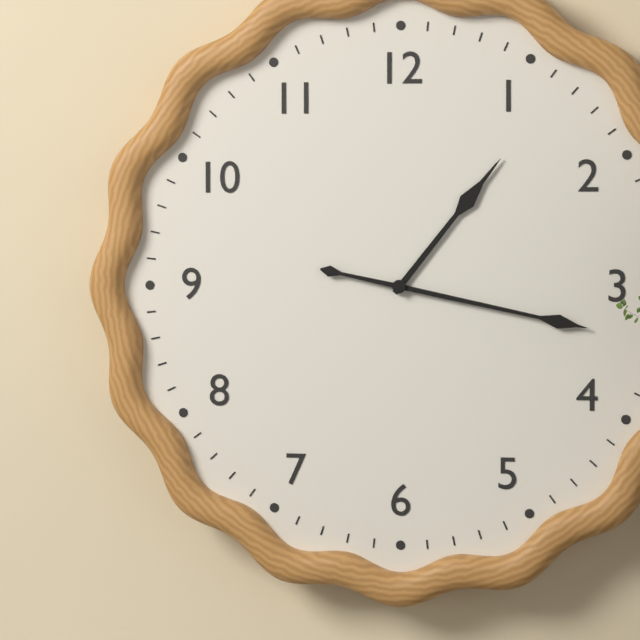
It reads 1 h 17 min
